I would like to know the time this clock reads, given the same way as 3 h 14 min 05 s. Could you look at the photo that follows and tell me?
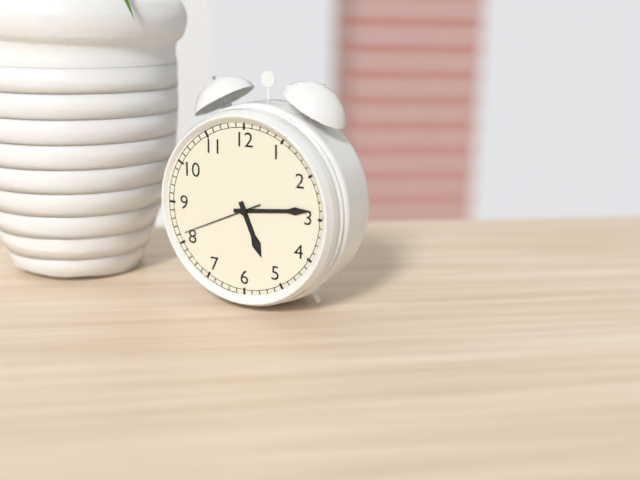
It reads 5 h 14 min 41 s
